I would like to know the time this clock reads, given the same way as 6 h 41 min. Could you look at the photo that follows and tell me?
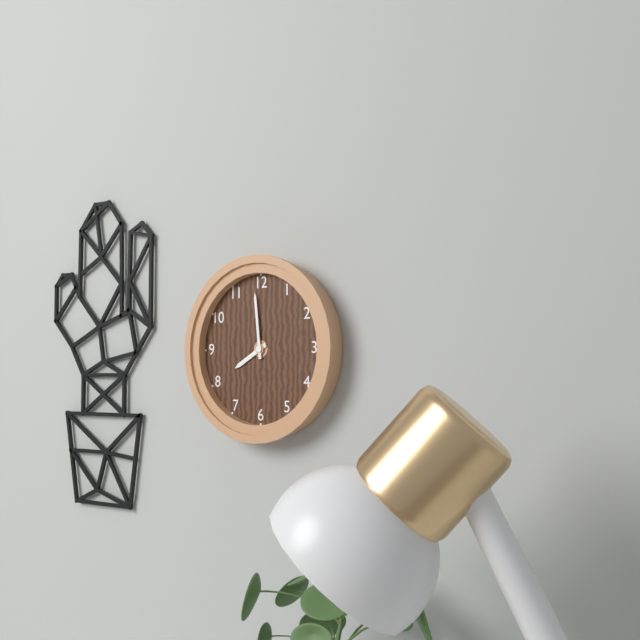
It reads 7 h 59 min
